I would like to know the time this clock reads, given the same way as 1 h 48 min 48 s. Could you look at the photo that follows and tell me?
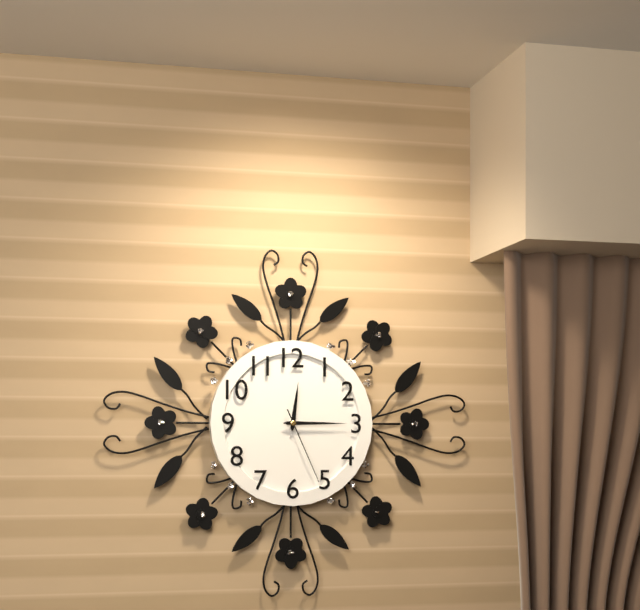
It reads 12 h 15 min 26 s
